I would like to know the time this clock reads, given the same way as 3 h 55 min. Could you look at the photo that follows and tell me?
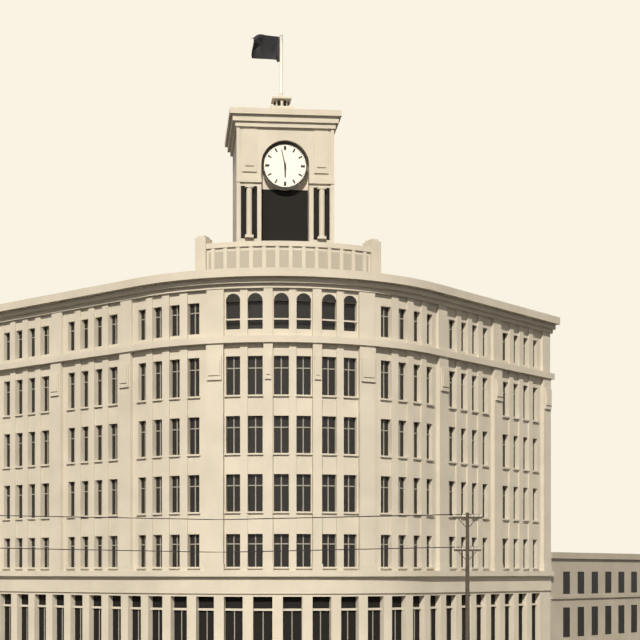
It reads 5 h 58 min
